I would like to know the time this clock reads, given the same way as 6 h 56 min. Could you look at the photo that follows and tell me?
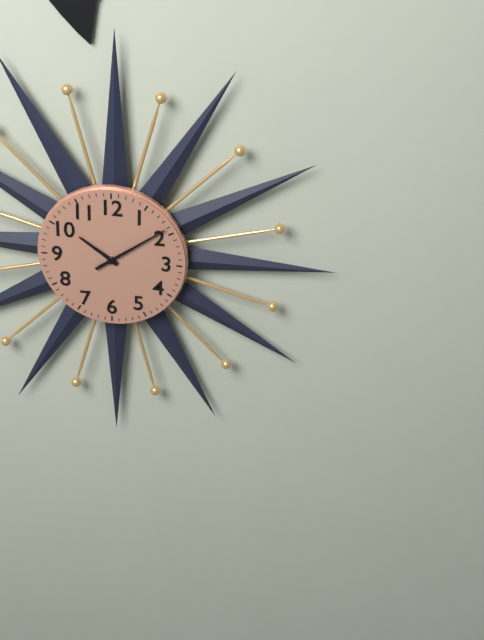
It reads 10 h 09 min
